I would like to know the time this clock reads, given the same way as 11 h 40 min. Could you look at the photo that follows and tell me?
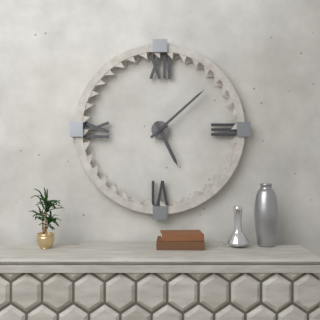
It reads 5 h 08 min
